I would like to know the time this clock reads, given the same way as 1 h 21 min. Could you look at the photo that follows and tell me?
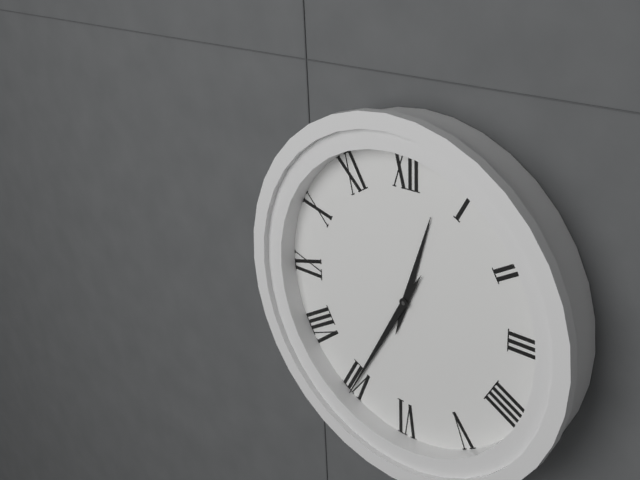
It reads 12 h 35 min
